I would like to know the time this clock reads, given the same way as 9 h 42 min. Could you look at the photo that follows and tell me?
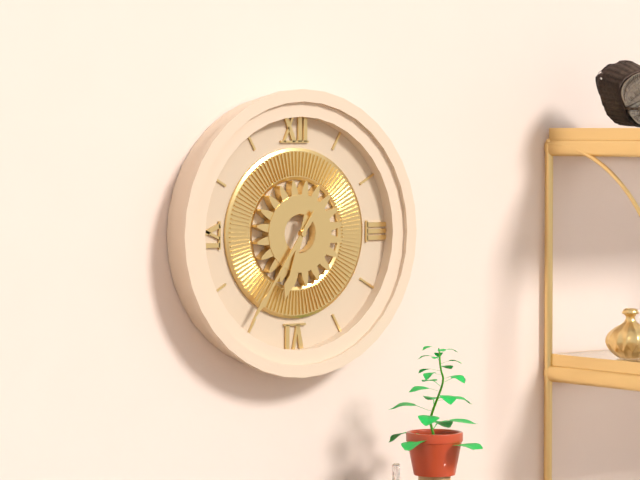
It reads 6 h 36 min
